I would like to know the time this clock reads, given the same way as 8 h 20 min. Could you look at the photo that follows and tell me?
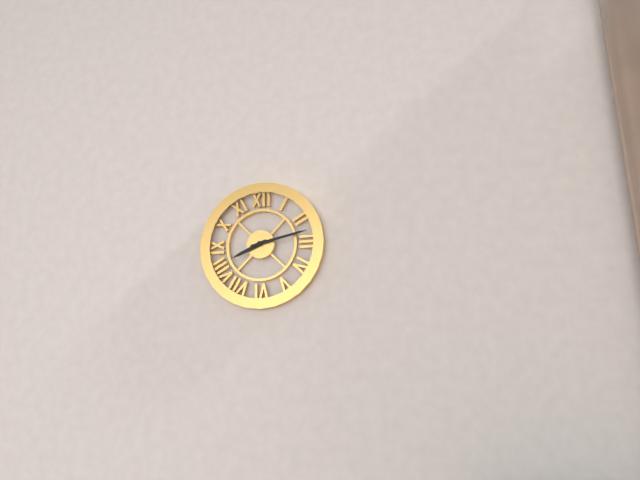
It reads 8 h 13 min
